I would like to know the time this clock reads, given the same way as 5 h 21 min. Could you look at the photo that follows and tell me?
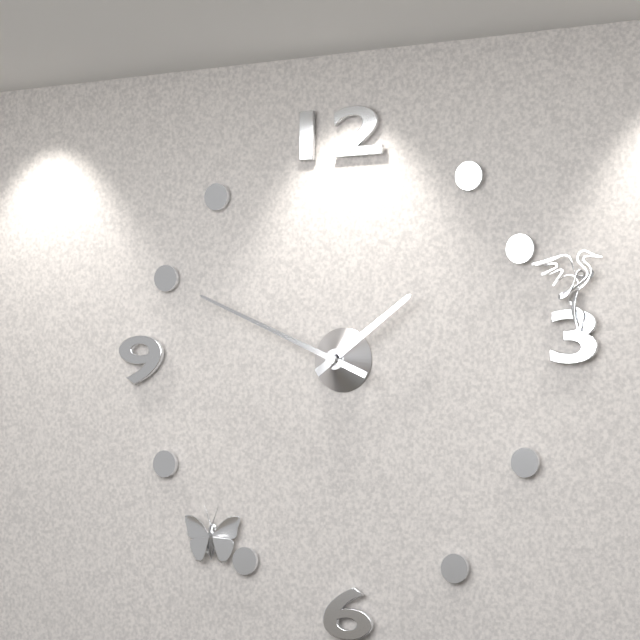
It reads 1 h 49 min
